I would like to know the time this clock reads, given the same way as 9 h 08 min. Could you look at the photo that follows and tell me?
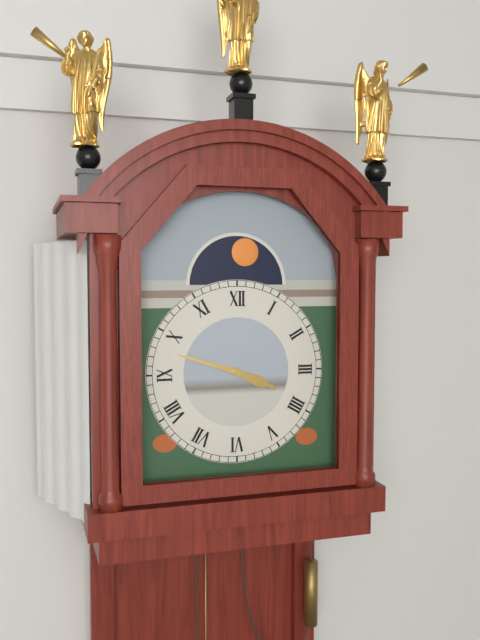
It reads 3 h 48 min
